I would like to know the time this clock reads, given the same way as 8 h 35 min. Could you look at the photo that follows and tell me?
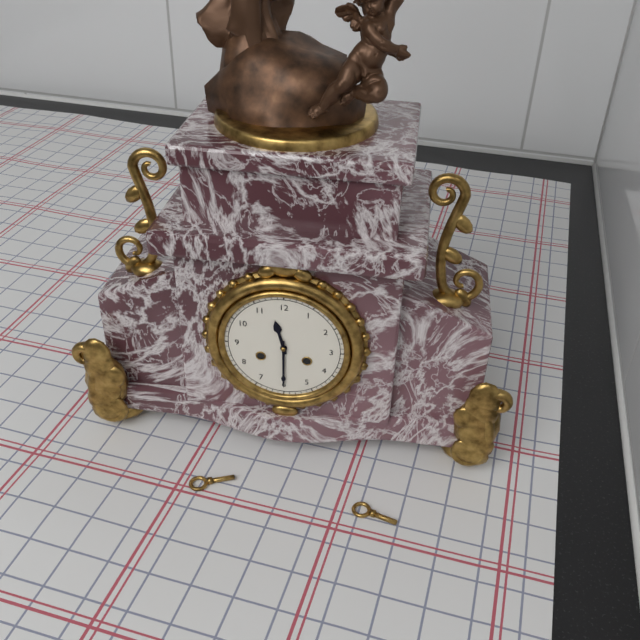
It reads 11 h 30 min
